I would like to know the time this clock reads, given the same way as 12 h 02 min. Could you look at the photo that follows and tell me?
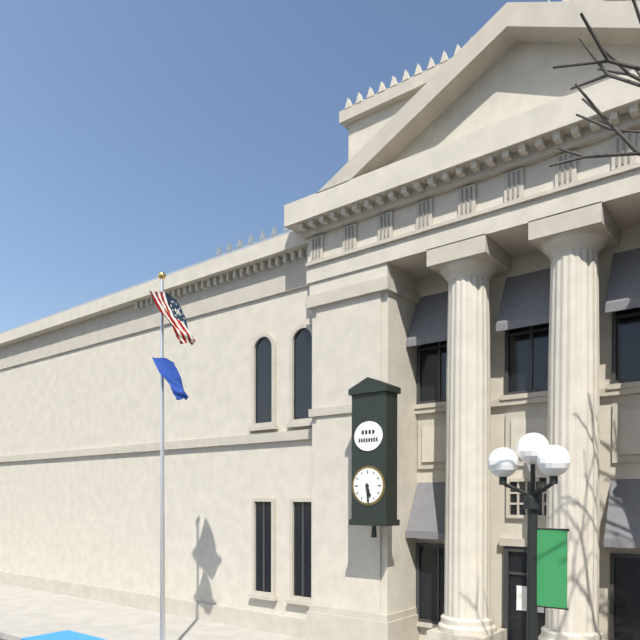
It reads 5 h 29 min
